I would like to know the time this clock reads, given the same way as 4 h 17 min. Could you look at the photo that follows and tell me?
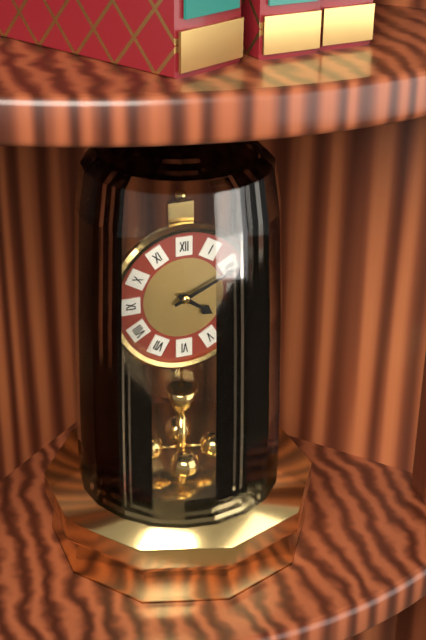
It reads 4 h 11 min
